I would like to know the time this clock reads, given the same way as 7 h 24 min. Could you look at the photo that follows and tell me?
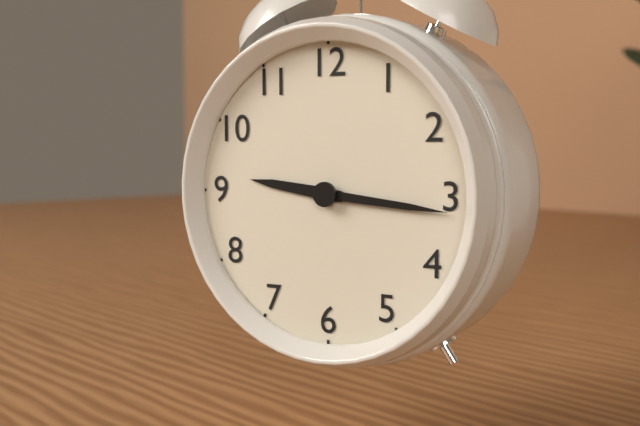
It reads 9 h 16 min
